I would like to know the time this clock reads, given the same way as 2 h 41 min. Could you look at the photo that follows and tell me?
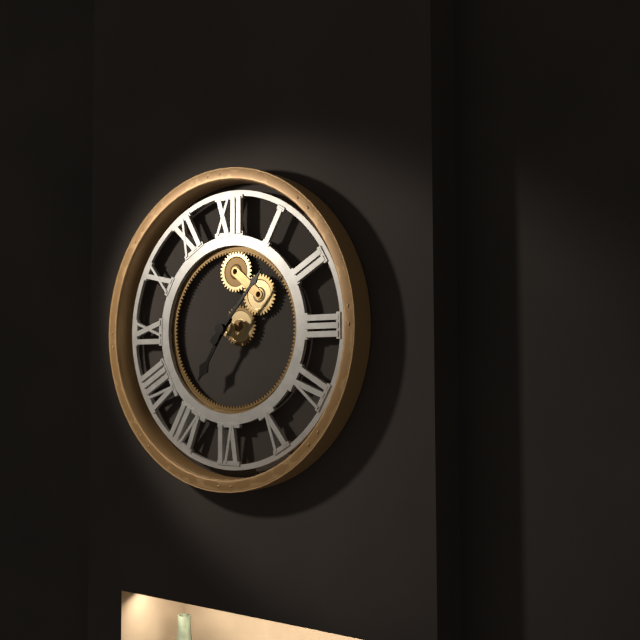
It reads 7 h 07 min
